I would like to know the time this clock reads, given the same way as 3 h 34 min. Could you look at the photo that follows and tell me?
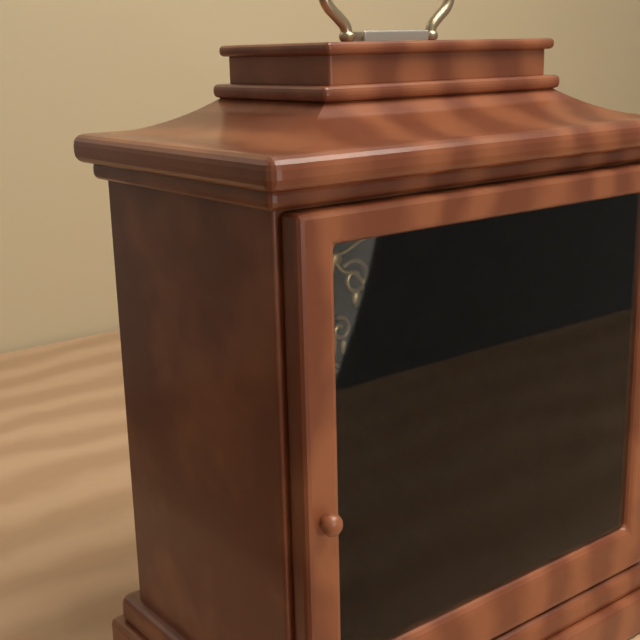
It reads 9 h 44 min
